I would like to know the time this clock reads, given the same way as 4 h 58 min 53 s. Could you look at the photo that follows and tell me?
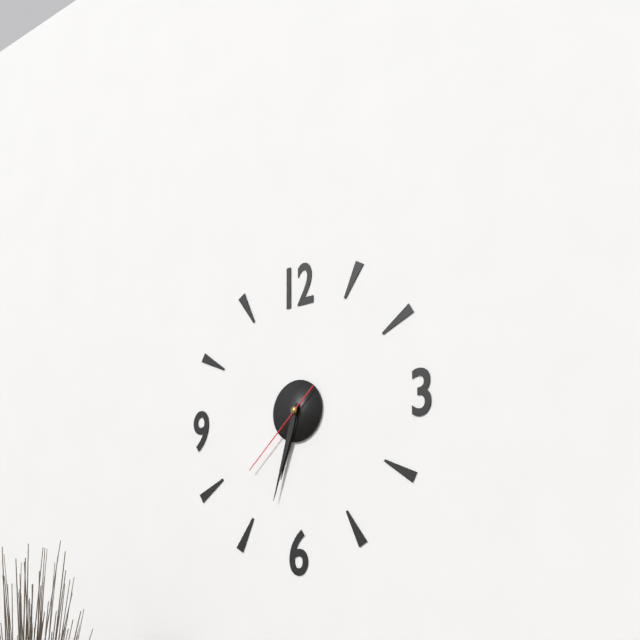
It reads 6 h 33 min 38 s
